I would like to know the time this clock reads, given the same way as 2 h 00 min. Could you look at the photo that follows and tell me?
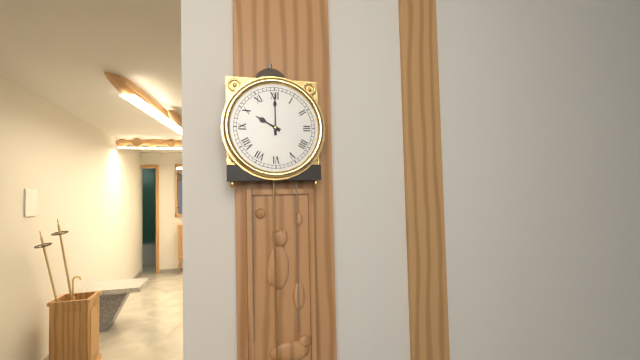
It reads 10 h 00 min
